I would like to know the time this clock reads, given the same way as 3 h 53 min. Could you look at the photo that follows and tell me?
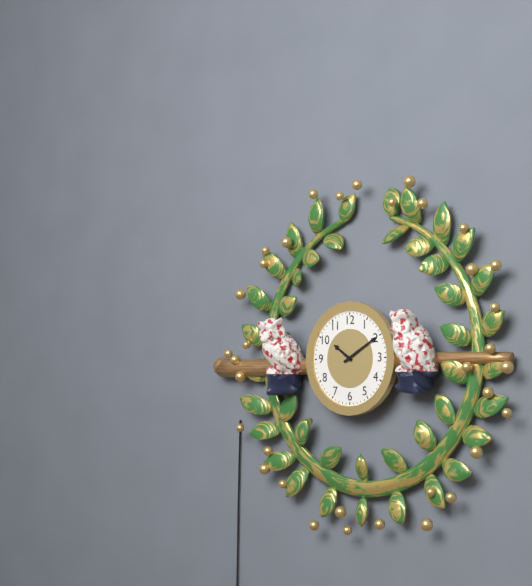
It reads 10 h 10 min
